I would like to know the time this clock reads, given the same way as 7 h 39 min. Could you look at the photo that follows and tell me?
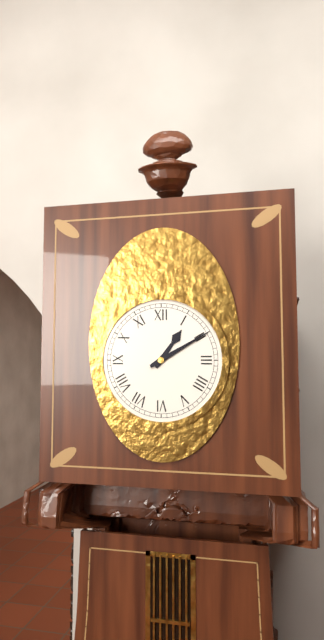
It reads 1 h 10 min
